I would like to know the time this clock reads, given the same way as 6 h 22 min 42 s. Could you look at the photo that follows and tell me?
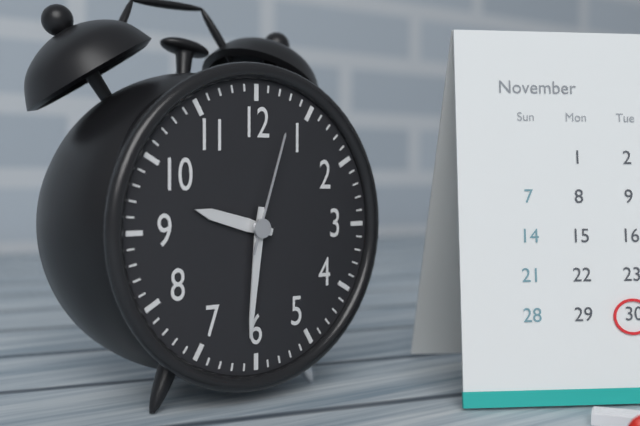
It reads 9 h 31 min 03 s
